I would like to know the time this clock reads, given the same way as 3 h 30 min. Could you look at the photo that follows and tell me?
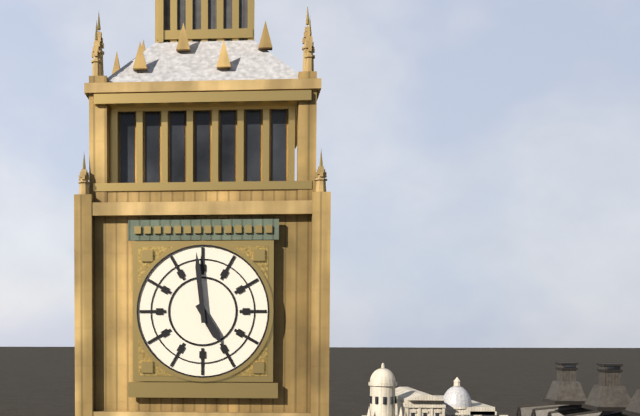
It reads 4 h 59 min
